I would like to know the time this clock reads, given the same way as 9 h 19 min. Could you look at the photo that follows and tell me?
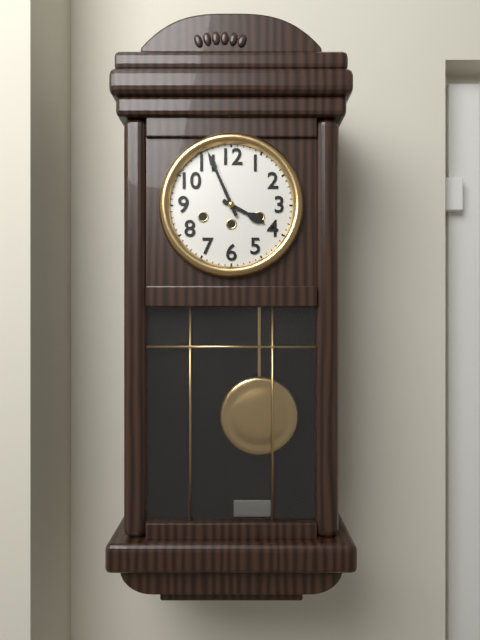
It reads 3 h 56 min
